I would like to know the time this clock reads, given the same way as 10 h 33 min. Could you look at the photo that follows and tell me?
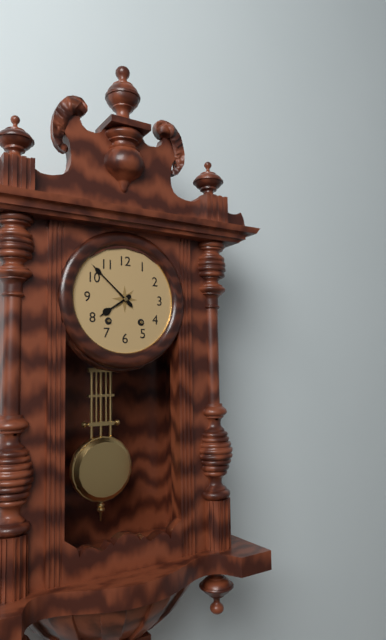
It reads 7 h 52 min
